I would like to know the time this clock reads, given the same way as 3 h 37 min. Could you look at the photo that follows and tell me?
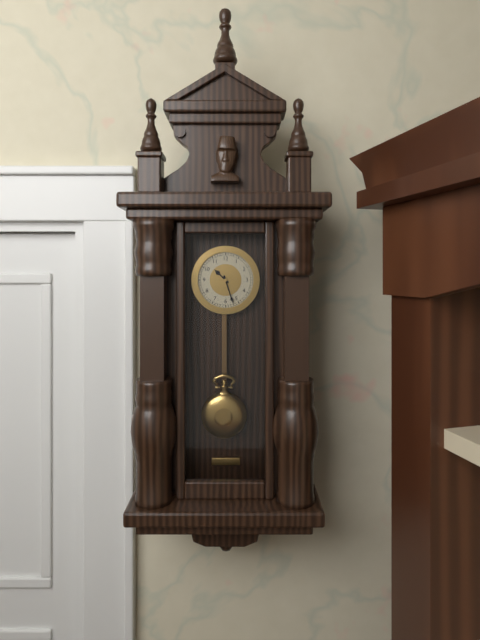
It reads 10 h 27 min
